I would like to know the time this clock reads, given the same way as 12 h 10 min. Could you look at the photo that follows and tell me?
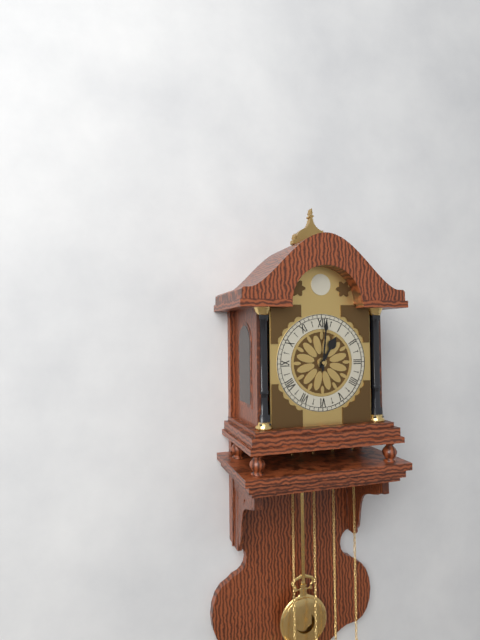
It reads 1 h 01 min
